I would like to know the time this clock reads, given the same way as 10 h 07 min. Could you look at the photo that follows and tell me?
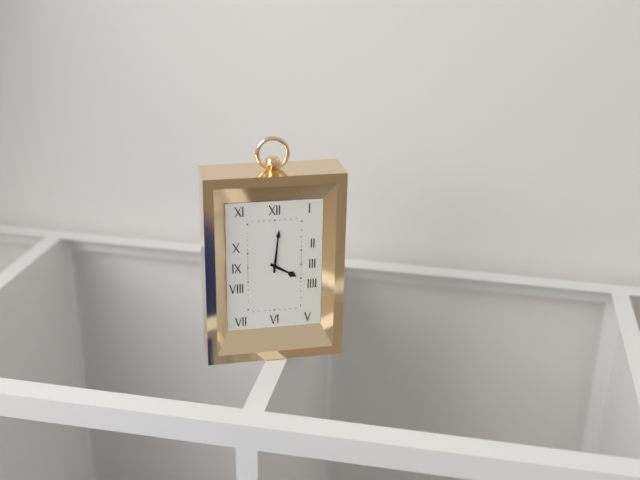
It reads 4 h 01 min
